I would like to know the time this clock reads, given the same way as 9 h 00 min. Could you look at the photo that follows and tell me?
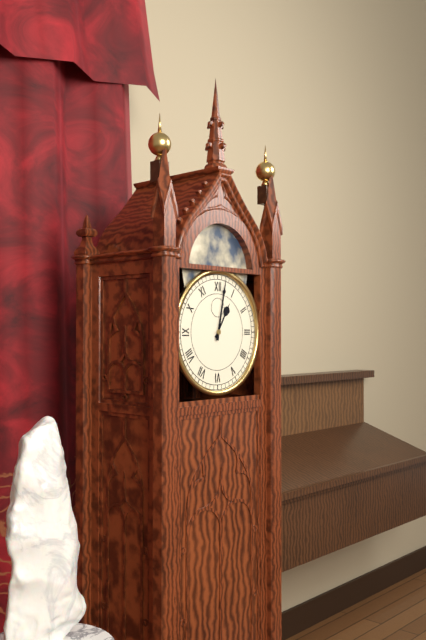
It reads 1 h 02 min
